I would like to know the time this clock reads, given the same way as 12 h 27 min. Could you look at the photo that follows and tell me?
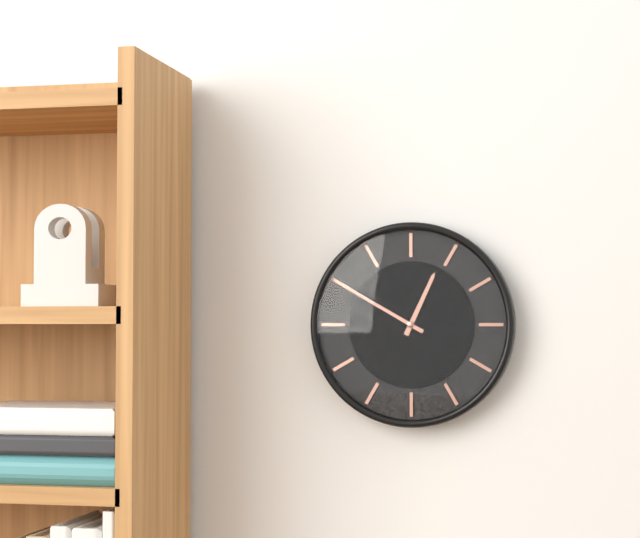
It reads 12 h 50 min
